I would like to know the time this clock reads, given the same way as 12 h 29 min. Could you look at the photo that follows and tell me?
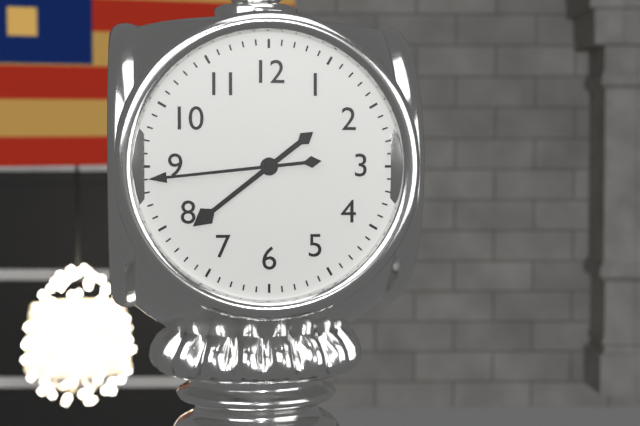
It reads 7 h 44 min
